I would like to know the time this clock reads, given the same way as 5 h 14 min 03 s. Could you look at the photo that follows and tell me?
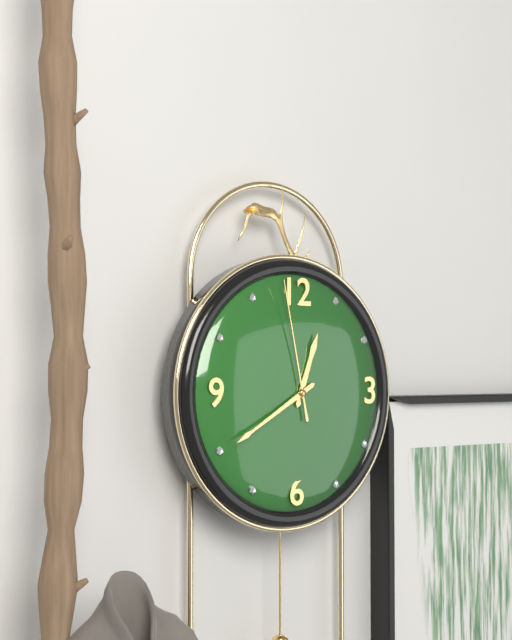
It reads 12 h 40 min 58 s
